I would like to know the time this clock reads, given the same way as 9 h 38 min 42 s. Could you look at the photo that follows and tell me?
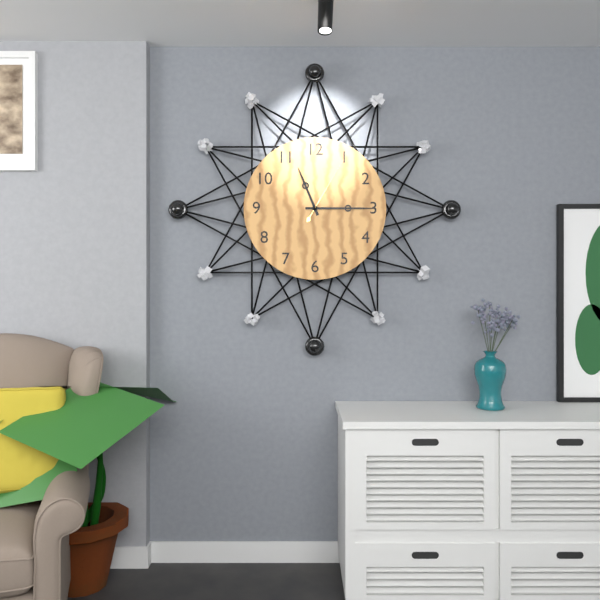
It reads 11 h 15 min 05 s
